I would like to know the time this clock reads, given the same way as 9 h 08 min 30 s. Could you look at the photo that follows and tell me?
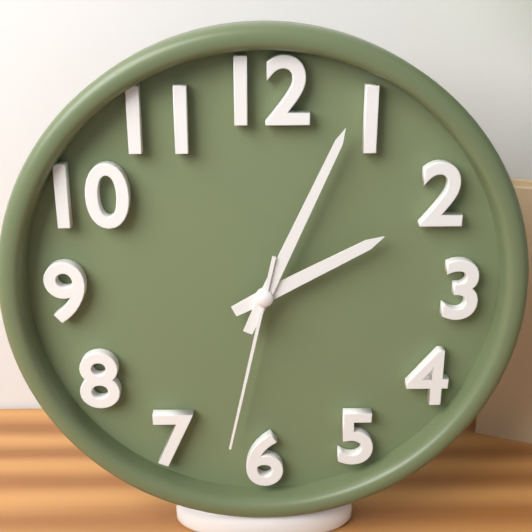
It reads 2 h 04 min 32 s
